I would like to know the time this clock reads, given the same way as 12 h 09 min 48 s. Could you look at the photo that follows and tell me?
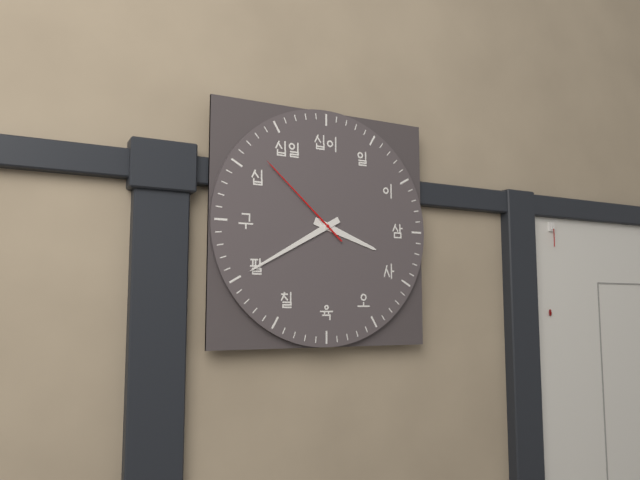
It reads 3 h 40 min 52 s
